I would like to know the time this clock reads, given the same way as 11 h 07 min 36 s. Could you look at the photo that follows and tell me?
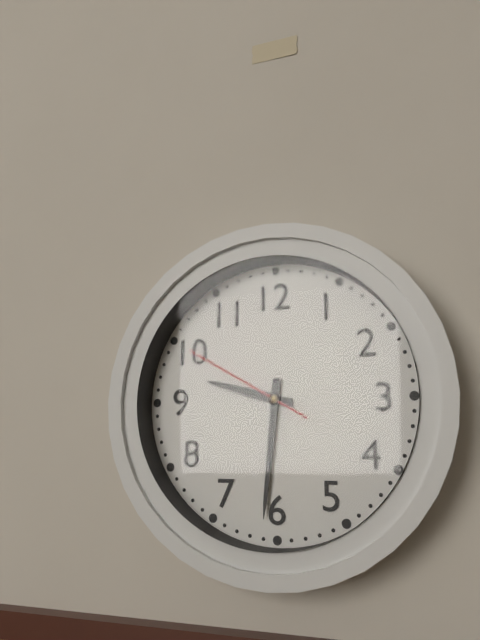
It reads 9 h 31 min 50 s
